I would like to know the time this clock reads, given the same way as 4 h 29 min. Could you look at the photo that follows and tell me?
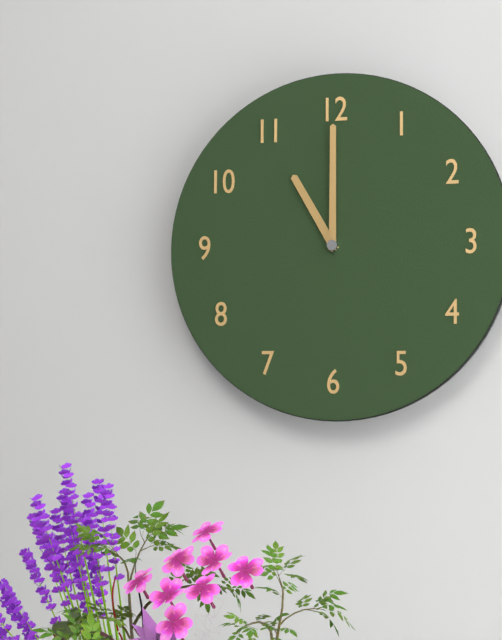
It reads 11 h 00 min
